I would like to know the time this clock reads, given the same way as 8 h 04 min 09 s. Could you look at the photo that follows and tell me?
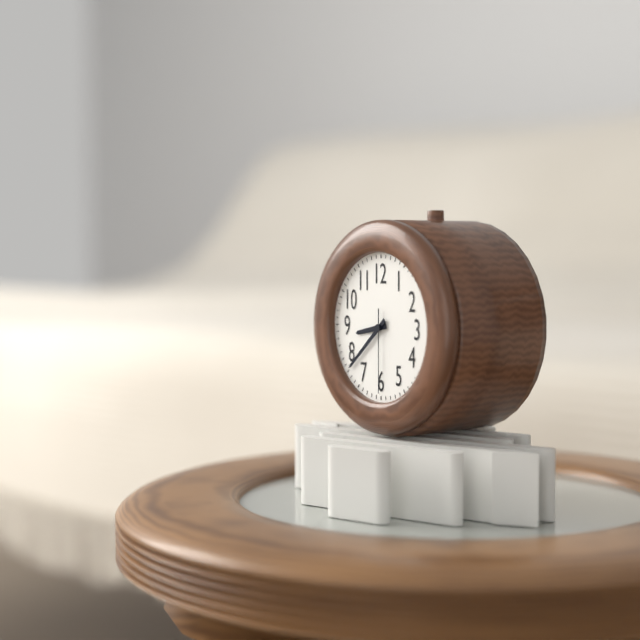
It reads 8 h 38 min 30 s
